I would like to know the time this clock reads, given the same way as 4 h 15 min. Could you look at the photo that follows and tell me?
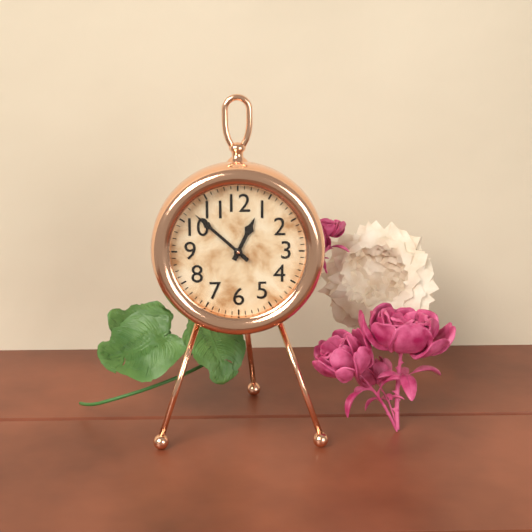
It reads 12 h 52 min
